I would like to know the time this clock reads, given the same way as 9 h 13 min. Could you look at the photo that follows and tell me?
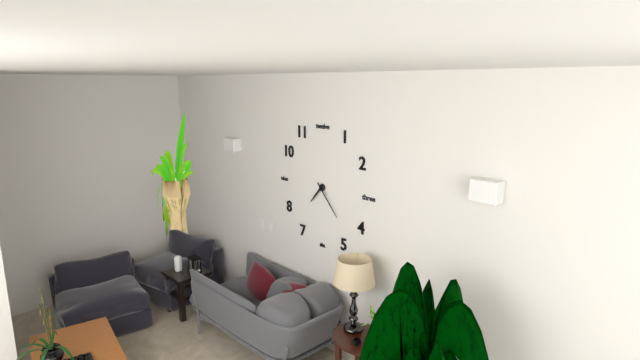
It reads 7 h 23 min
